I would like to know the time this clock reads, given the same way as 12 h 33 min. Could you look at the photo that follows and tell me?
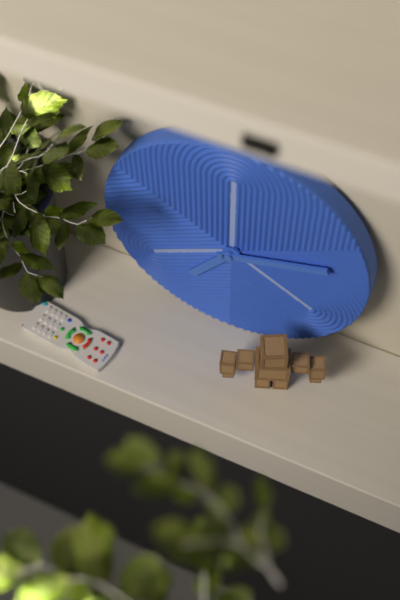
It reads 7 h 12 min
